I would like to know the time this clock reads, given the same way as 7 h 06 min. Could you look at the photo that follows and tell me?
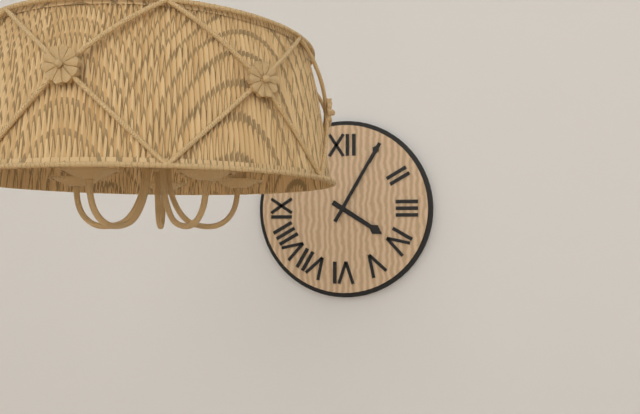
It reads 4 h 05 min
